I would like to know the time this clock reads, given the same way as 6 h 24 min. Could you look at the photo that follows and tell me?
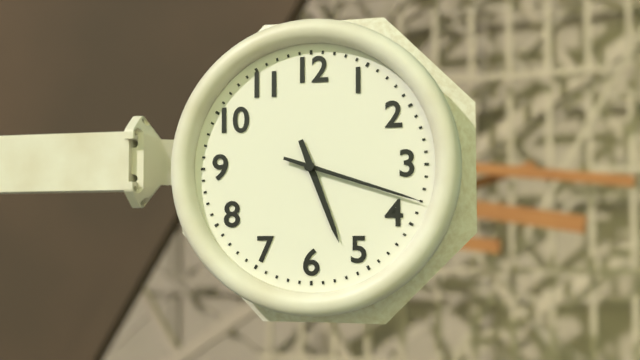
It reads 5 h 18 min
